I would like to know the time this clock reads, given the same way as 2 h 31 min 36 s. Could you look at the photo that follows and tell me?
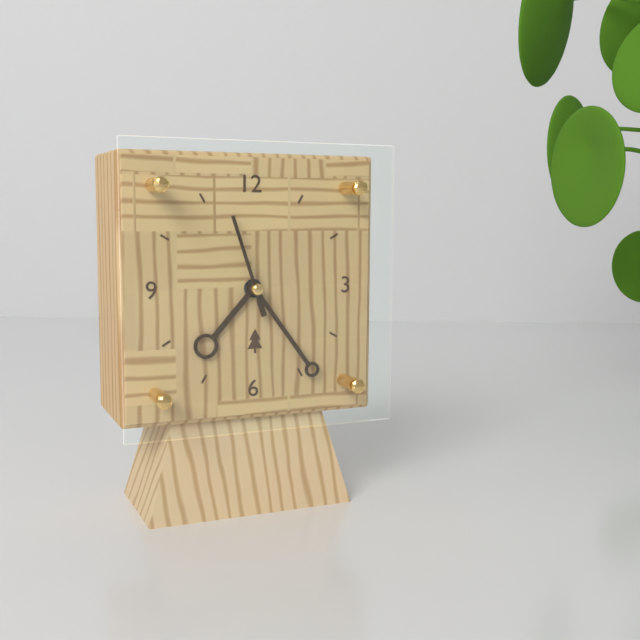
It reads 7 h 24 min 57 s
